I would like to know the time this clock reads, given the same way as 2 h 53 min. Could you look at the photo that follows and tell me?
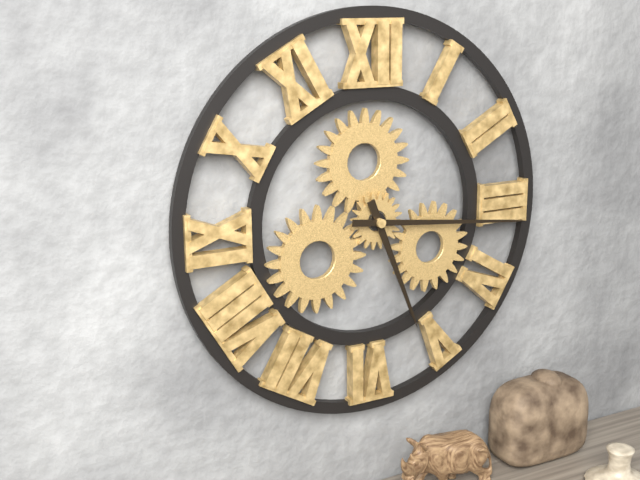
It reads 5 h 16 min
